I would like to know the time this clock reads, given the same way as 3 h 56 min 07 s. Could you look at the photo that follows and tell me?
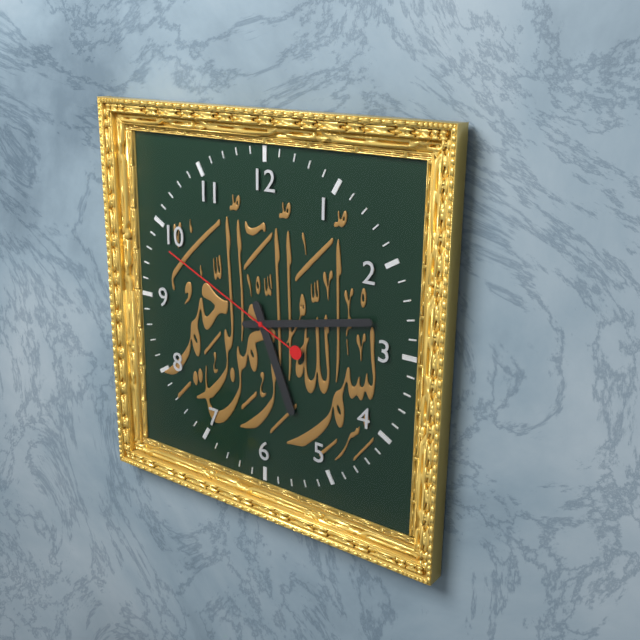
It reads 5 h 13 min 49 s
